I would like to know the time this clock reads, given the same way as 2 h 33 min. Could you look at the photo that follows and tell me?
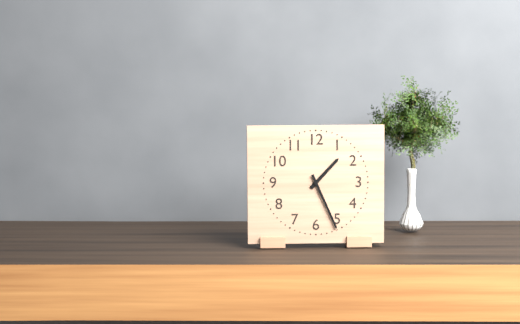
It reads 1 h 26 min
